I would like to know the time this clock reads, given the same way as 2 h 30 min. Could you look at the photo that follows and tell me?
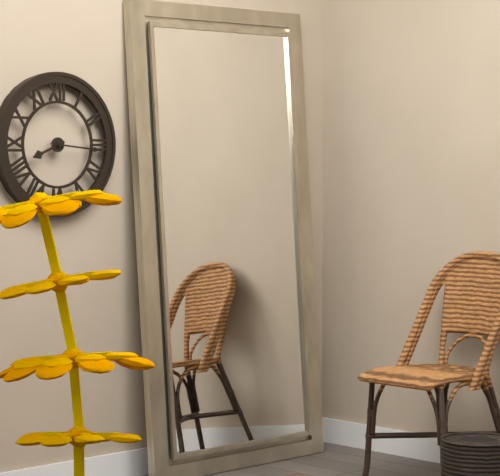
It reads 8 h 16 min
